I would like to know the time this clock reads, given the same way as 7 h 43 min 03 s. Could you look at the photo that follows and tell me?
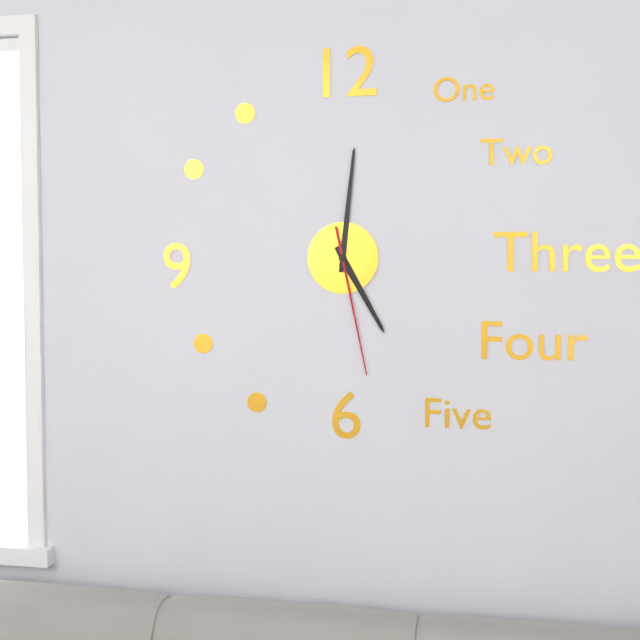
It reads 5 h 01 min 28 s
